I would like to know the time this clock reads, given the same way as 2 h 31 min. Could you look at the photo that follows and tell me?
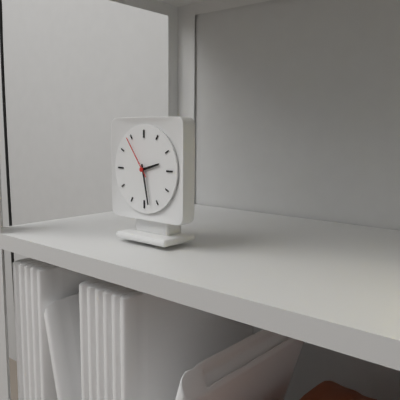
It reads 2 h 28 min
